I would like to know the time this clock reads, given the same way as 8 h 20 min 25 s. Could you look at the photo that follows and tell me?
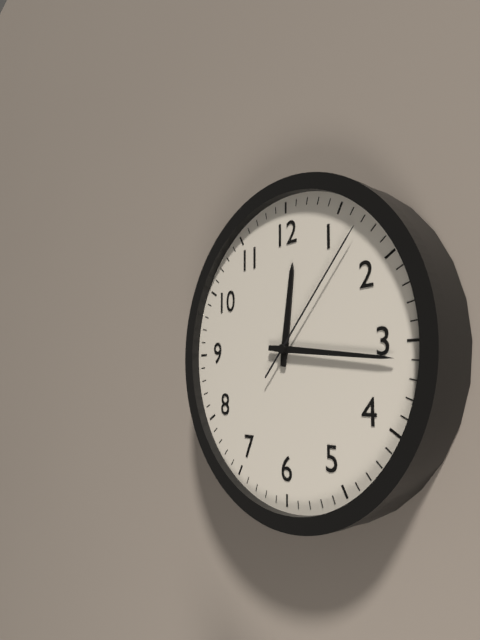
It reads 12 h 16 min 07 s
